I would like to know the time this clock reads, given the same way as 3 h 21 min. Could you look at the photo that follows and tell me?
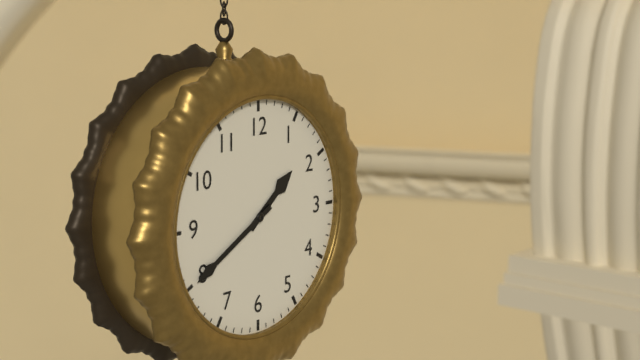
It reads 1 h 40 min
